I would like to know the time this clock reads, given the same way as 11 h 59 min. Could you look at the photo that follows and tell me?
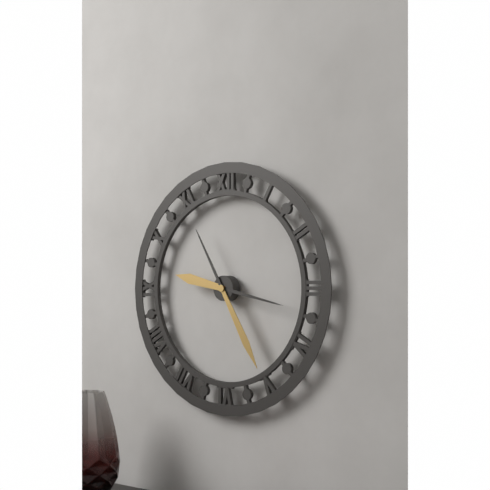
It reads 9 h 25 min
